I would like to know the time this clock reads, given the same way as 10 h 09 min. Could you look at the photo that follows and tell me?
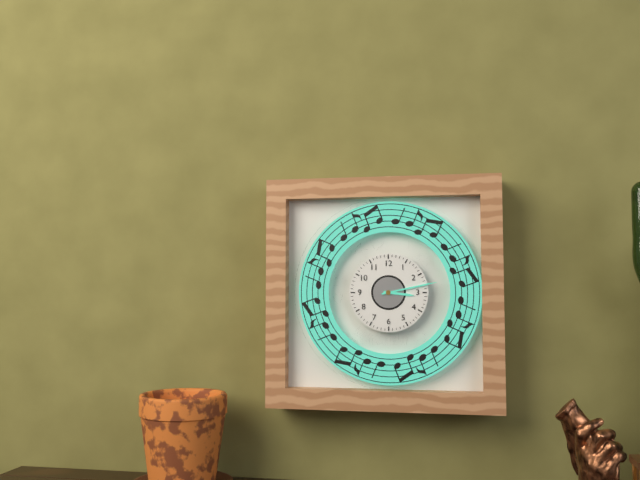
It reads 3 h 13 min
